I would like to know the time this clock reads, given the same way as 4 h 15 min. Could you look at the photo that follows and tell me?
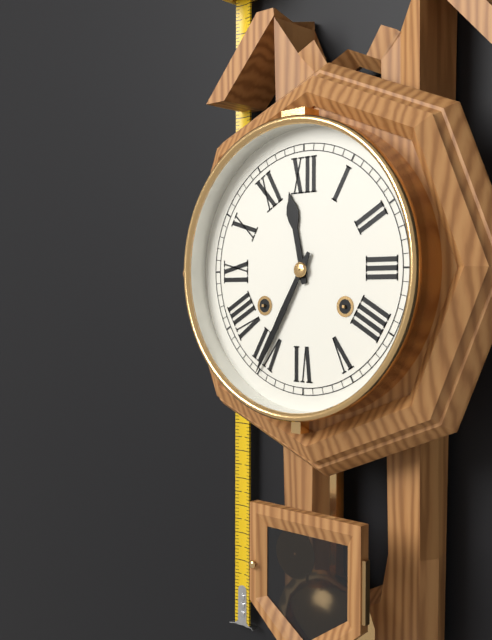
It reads 11 h 35 min
